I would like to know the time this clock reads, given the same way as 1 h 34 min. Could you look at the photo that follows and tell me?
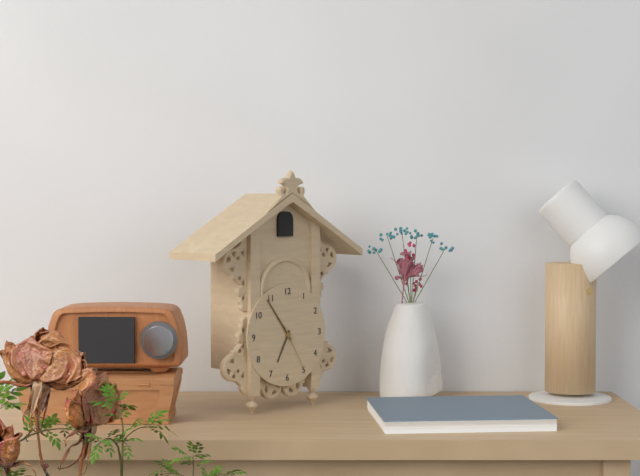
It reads 6 h 54 min
